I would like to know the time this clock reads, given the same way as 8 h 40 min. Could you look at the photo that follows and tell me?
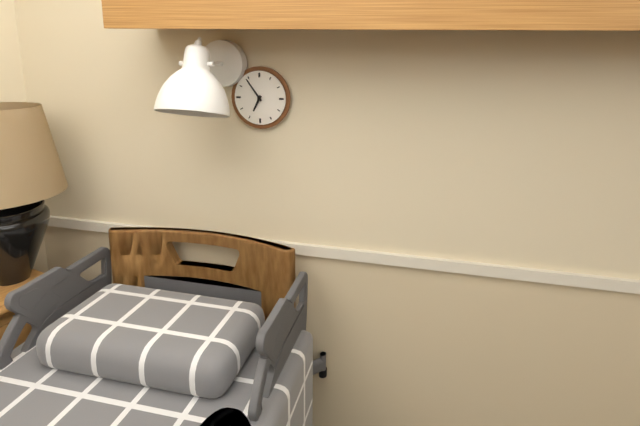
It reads 6 h 54 min
